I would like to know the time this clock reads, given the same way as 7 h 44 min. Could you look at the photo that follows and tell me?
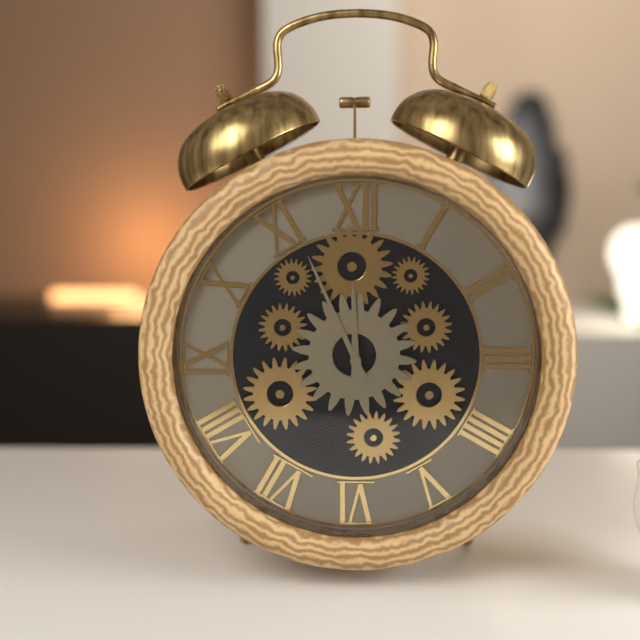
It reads 11 h 56 min
